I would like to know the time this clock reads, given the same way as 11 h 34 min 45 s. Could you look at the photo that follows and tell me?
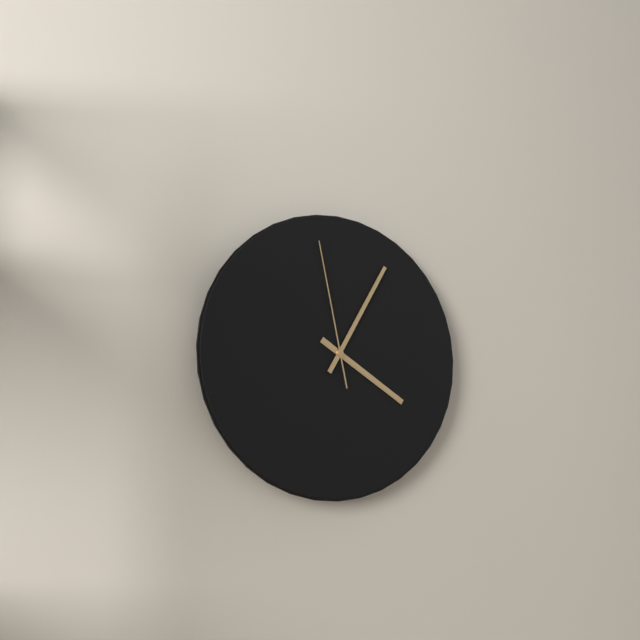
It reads 4 h 05 min 58 s
